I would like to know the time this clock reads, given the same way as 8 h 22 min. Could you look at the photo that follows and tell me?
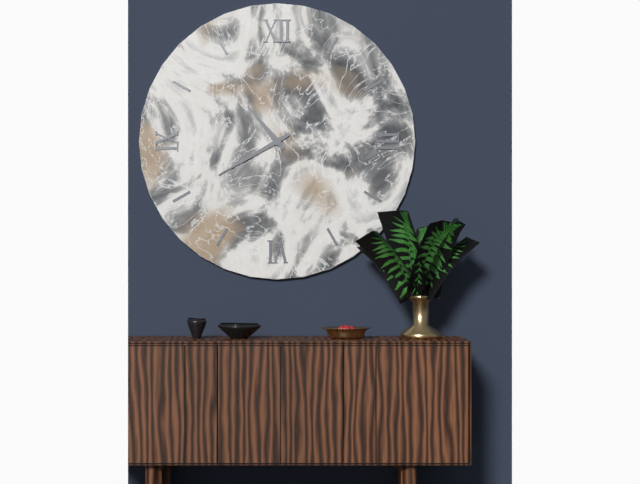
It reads 10 h 40 min
